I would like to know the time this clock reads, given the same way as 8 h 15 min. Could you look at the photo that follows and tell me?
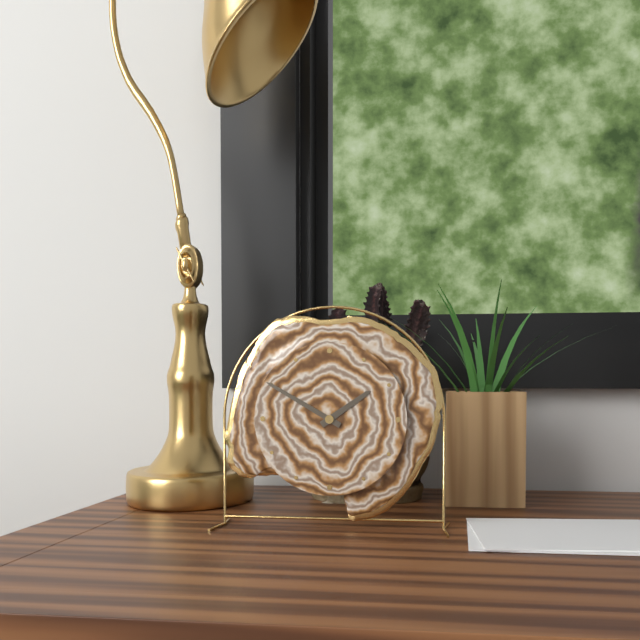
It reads 1 h 50 min
